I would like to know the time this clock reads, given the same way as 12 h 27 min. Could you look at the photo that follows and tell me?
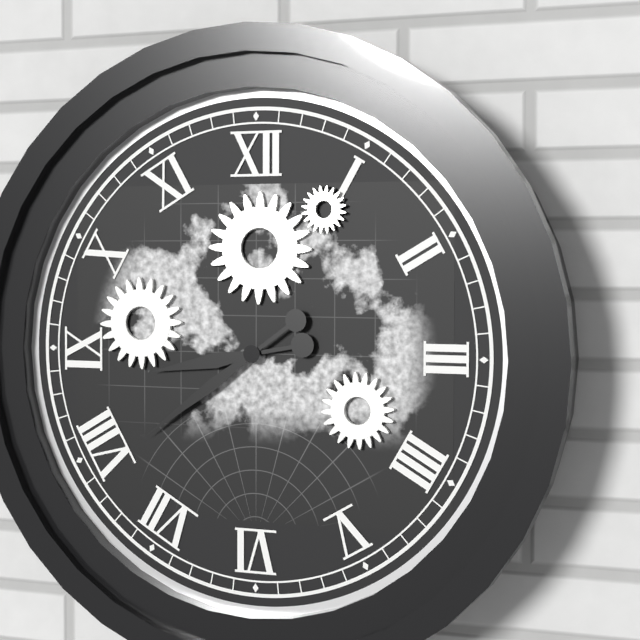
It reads 8 h 39 min
